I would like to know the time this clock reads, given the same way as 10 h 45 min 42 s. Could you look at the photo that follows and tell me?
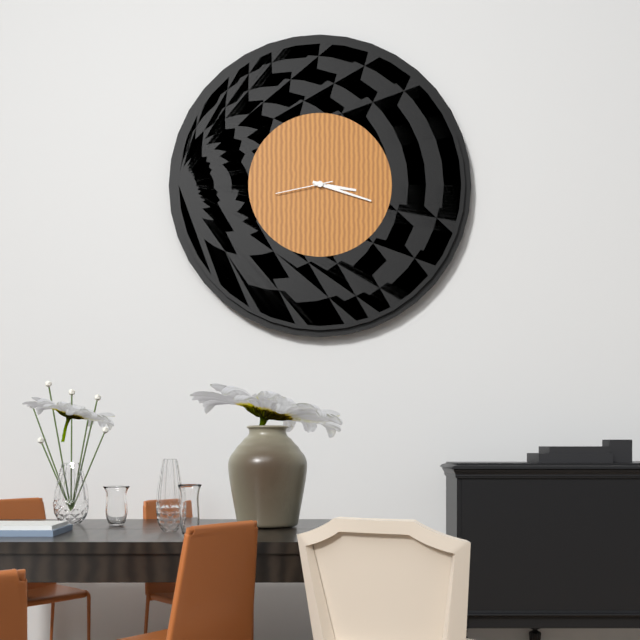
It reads 3 h 18 min 43 s
